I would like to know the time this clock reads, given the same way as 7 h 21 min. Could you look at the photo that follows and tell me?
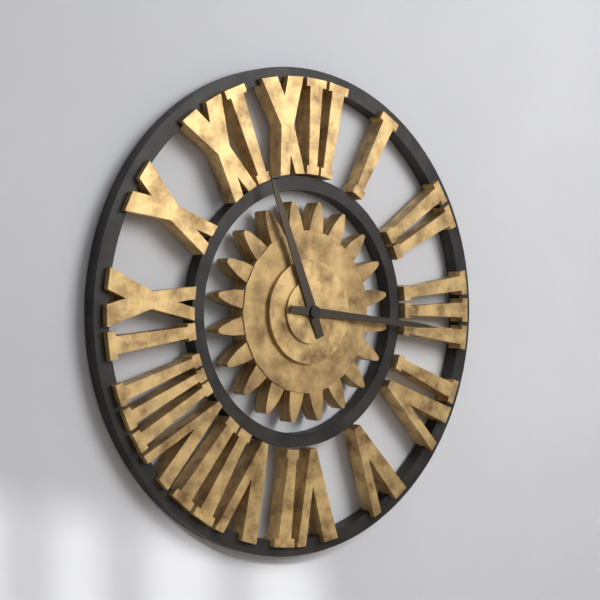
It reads 11 h 16 min
